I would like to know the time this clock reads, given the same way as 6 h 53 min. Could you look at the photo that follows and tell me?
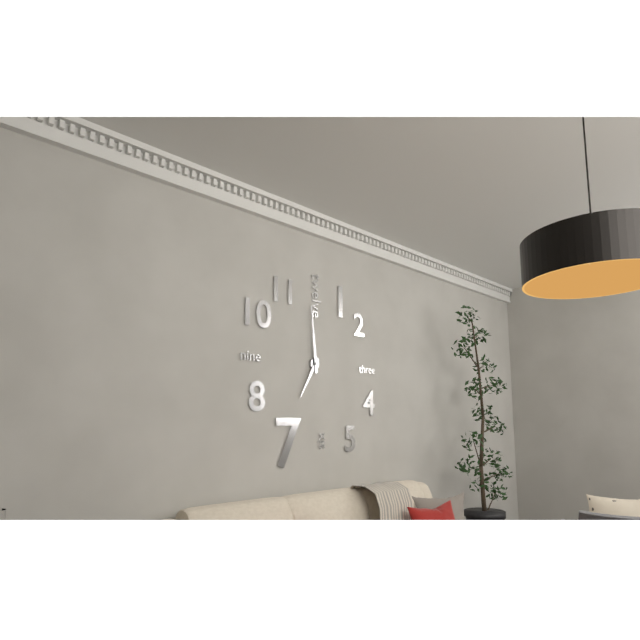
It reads 6 h 59 min
